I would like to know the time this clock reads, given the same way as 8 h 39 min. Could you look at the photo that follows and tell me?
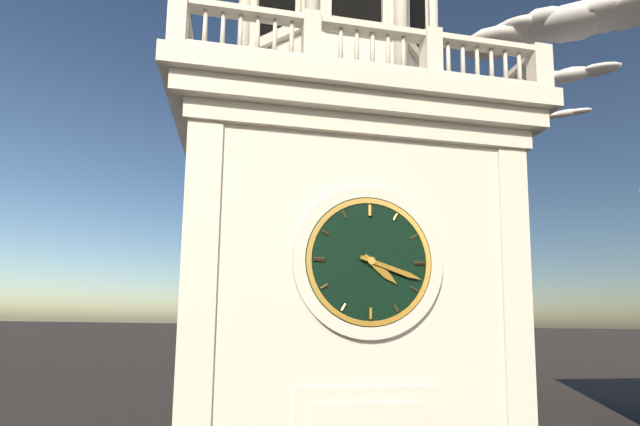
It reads 4 h 18 min
